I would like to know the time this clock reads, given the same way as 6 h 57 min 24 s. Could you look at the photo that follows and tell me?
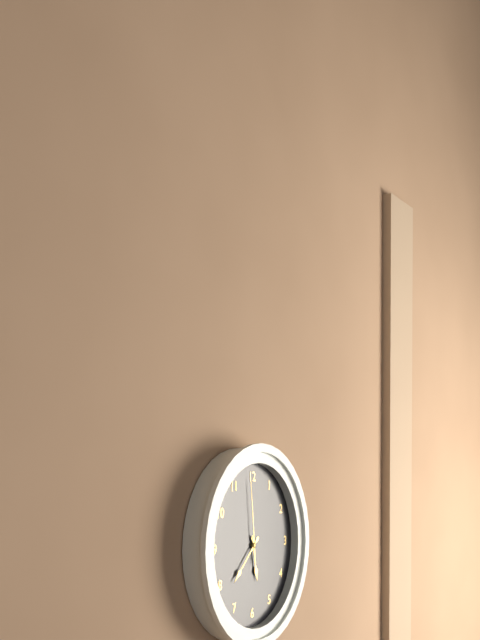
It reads 5 h 38 min 59 s
